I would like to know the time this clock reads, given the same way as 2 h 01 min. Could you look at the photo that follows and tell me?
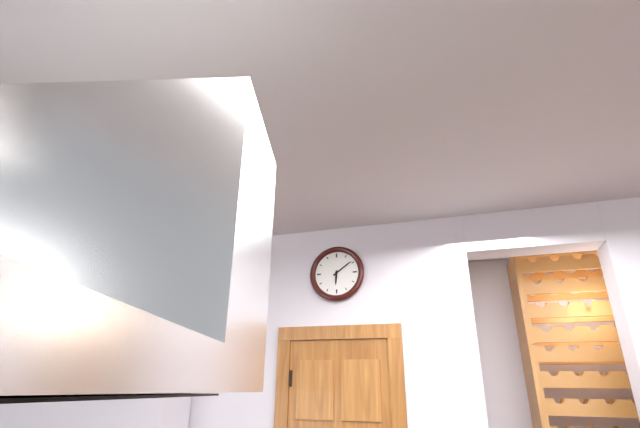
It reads 6 h 09 min
